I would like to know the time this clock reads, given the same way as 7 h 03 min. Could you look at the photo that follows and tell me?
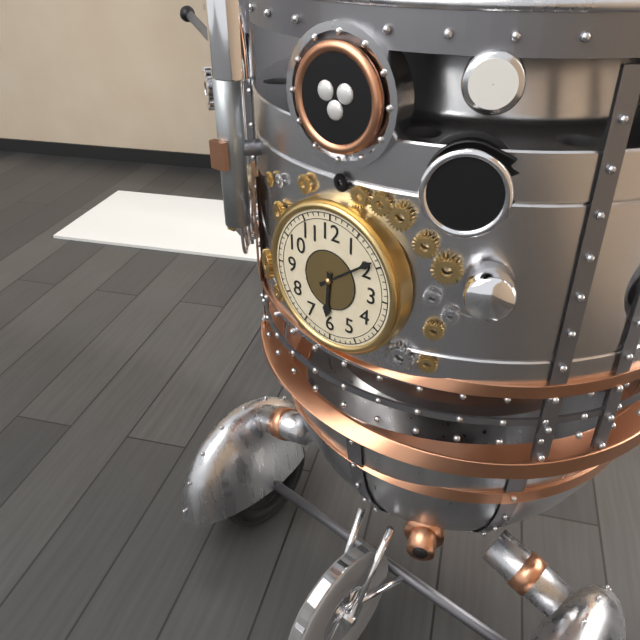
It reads 6 h 09 min
